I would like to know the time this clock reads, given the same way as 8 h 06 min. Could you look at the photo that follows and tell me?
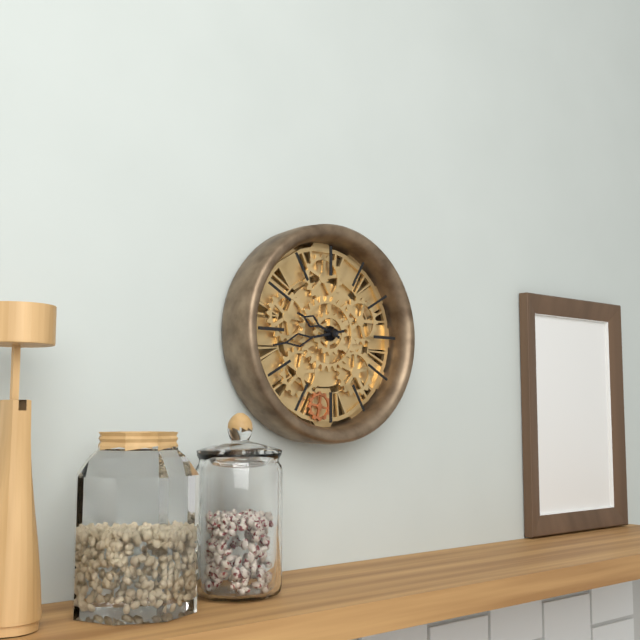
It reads 9 h 43 min
